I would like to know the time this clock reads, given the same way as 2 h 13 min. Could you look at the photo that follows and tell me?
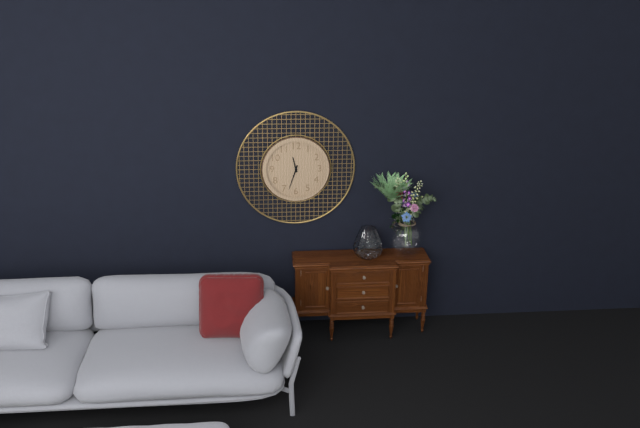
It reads 11 h 33 min
